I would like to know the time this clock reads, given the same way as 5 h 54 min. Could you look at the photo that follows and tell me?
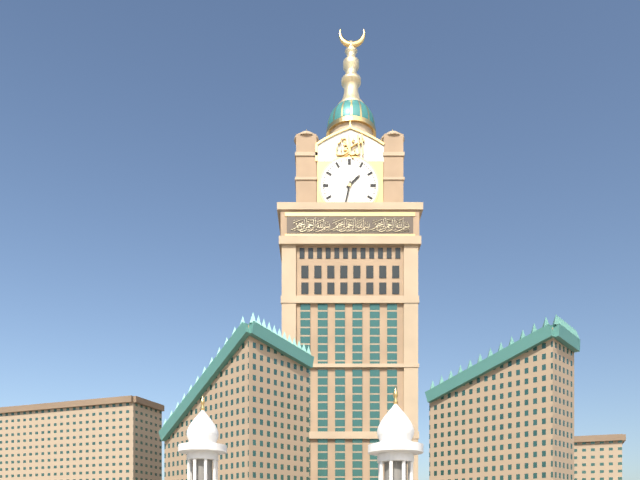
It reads 1 h 32 min
